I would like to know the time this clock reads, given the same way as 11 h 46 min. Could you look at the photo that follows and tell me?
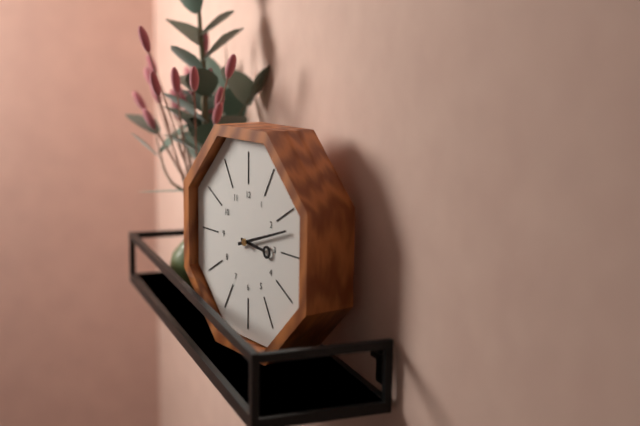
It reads 3 h 12 min
